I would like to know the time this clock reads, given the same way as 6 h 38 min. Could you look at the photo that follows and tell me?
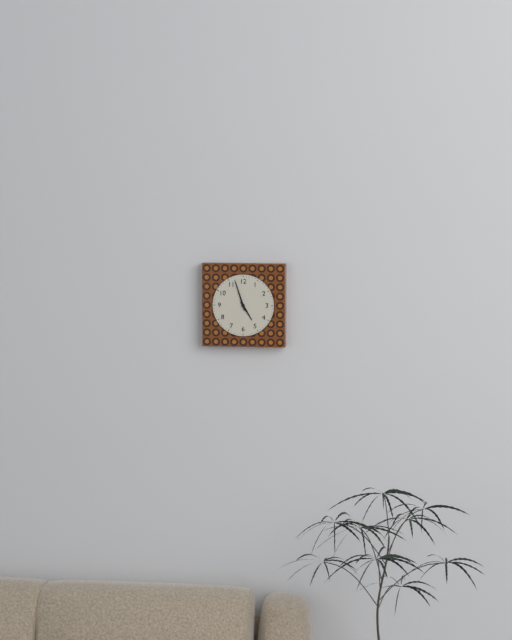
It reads 4 h 57 min
